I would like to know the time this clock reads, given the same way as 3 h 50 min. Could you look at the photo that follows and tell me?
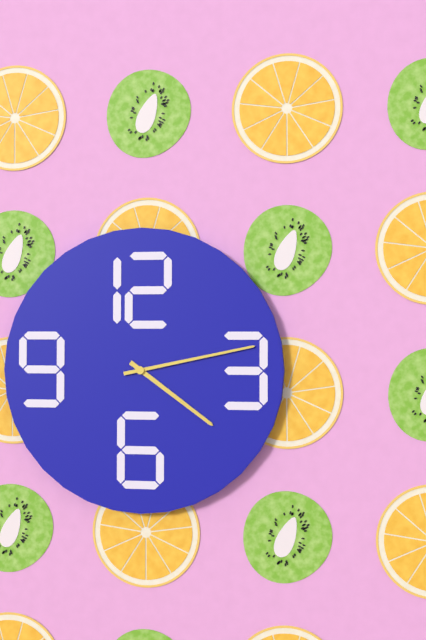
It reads 4 h 13 min
